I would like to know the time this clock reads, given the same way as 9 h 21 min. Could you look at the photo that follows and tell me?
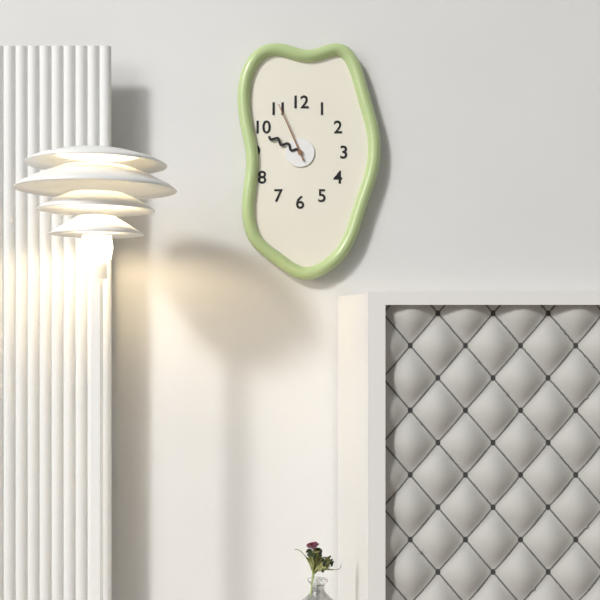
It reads 9 h 56 min
